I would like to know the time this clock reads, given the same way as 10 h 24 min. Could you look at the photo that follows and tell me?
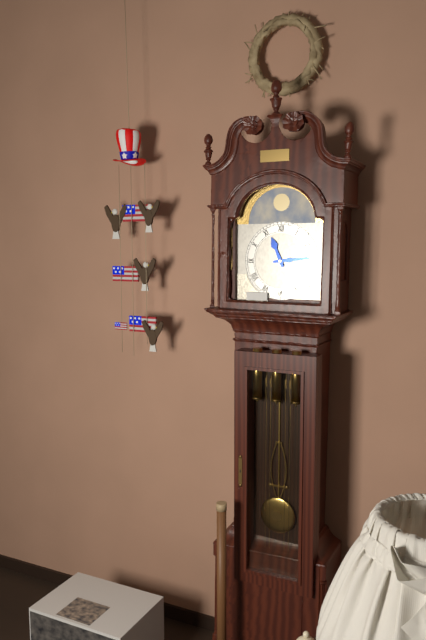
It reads 11 h 14 min
